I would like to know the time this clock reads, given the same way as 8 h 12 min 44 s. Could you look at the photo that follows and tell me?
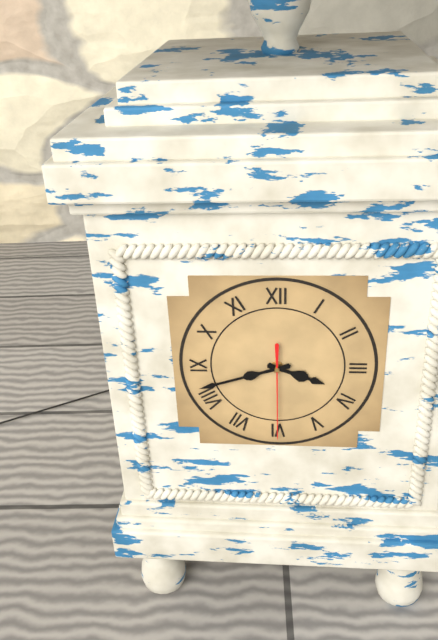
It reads 3 h 42 min 30 s
